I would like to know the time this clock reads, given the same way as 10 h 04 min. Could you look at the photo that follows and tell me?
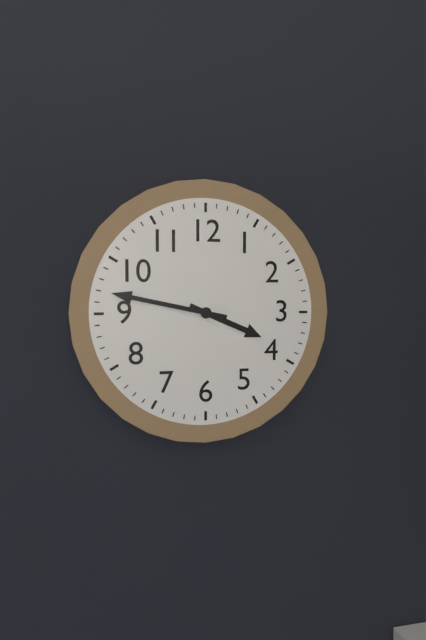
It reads 3 h 47 min
